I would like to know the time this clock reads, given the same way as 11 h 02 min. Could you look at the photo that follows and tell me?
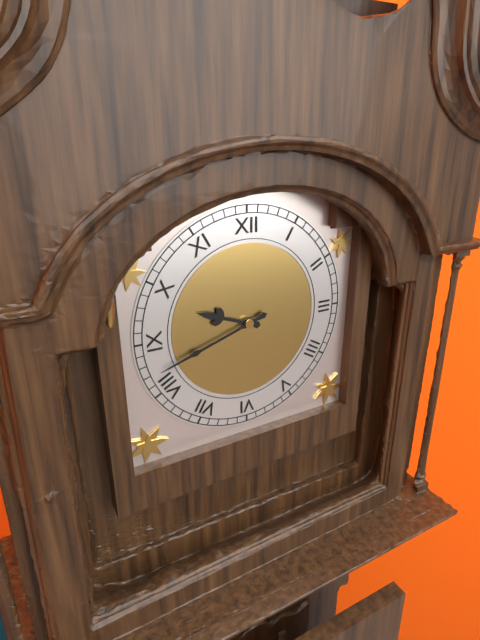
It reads 9 h 42 min
